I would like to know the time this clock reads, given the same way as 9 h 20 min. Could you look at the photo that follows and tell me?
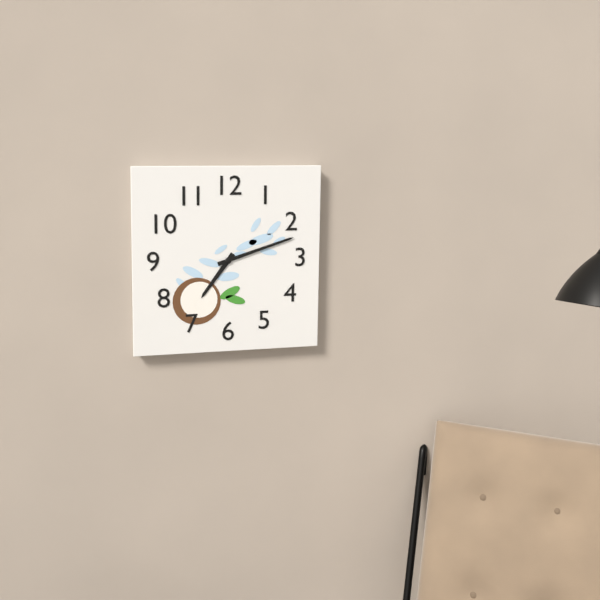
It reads 7 h 12 min
